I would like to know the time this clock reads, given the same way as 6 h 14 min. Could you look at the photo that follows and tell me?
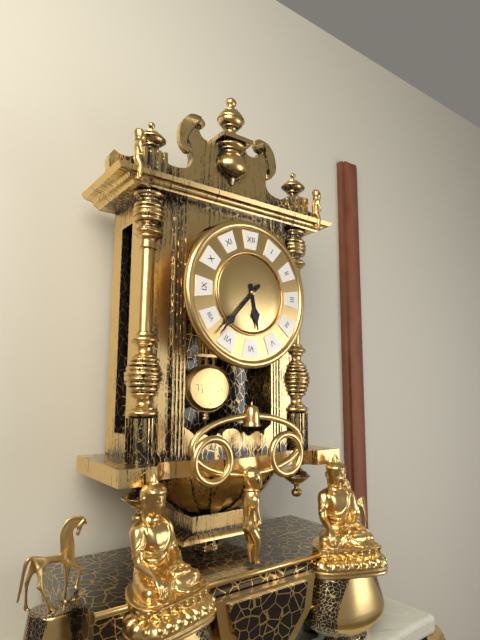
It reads 5 h 37 min
